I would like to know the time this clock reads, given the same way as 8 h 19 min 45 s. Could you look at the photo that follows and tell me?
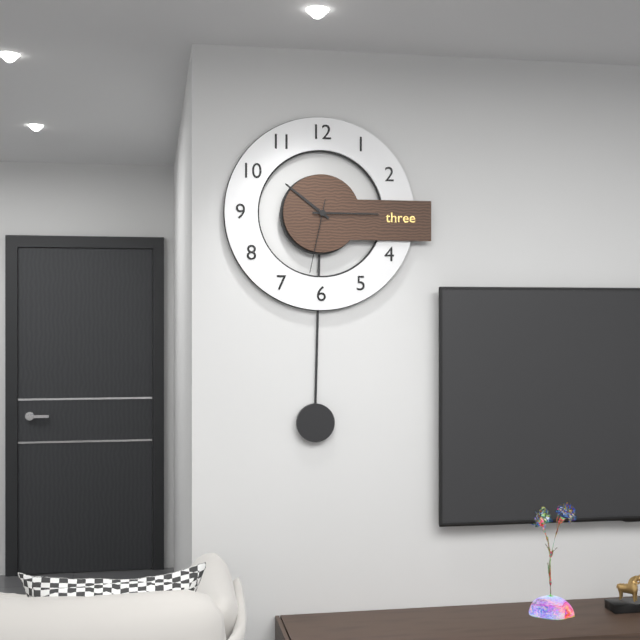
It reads 10 h 15 min 32 s
